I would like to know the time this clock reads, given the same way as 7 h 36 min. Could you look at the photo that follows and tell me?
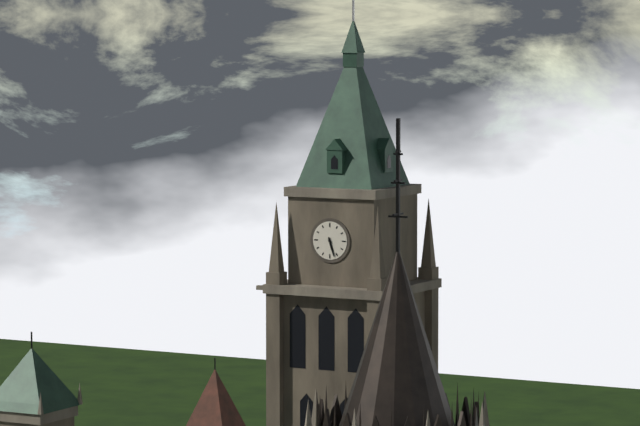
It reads 5 h 27 min
